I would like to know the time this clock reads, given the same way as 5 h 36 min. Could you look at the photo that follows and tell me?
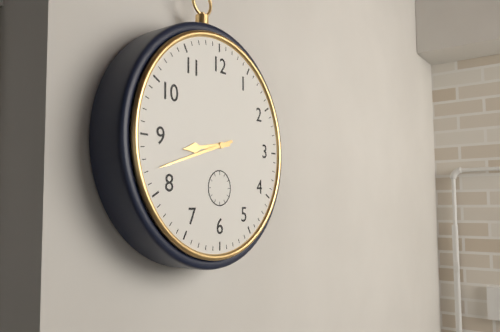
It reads 8 h 42 min
